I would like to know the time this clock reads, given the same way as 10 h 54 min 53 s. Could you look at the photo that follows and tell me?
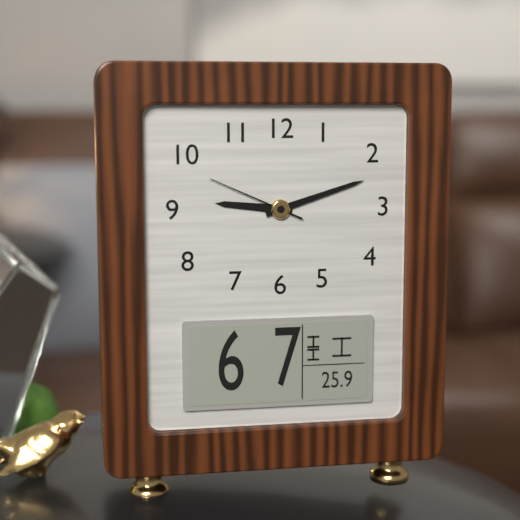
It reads 9 h 12 min 49 s
